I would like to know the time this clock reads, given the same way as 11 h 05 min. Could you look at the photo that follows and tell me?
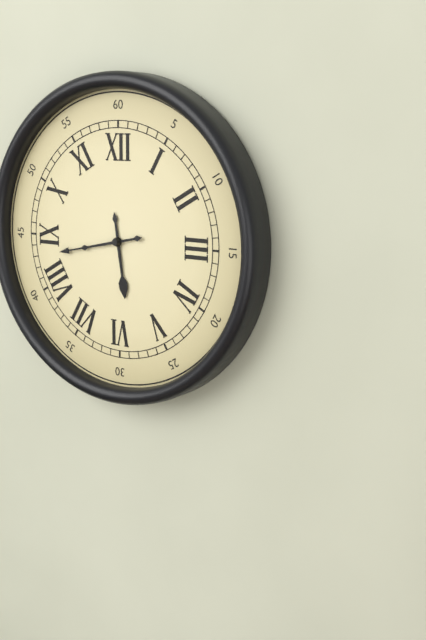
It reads 5 h 43 min
